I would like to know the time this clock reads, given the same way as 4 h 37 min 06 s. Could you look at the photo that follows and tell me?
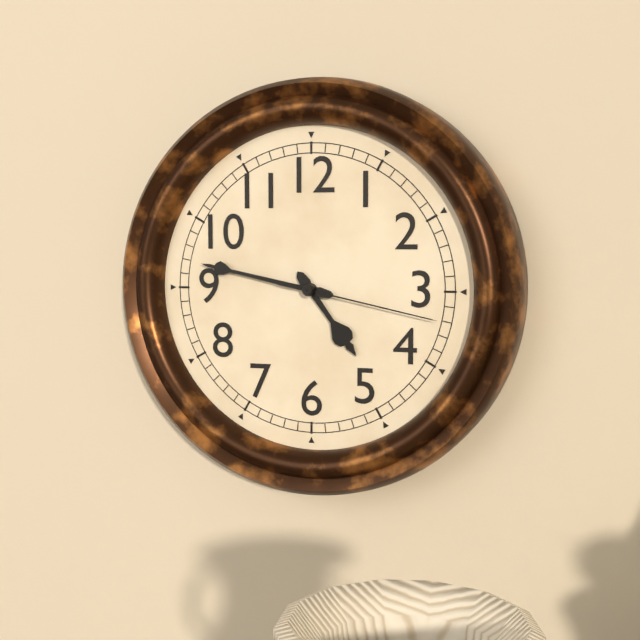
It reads 4 h 47 min 17 s
